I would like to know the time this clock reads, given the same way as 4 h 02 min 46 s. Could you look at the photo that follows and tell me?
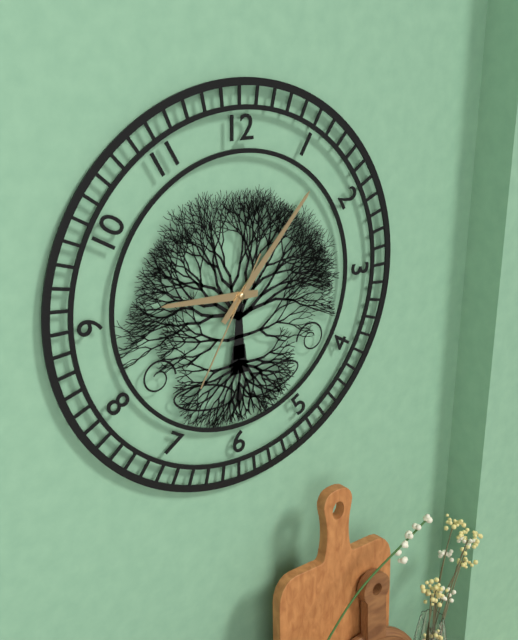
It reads 9 h 07 min 35 s
